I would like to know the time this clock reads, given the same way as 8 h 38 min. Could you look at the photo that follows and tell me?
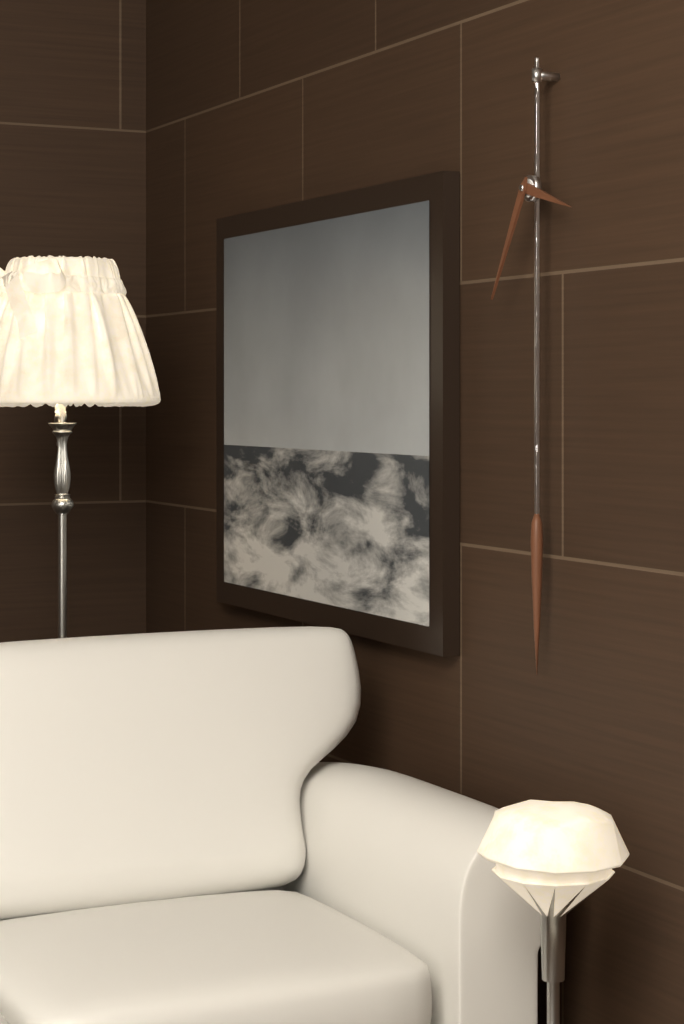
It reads 3 h 35 min
